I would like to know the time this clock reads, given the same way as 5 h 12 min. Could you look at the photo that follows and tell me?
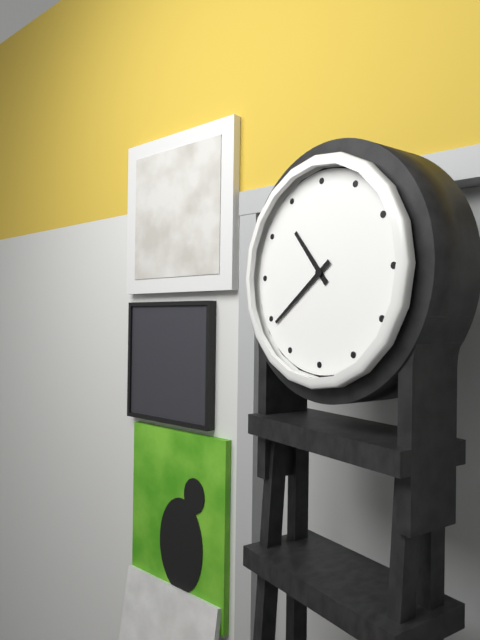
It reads 10 h 39 min
